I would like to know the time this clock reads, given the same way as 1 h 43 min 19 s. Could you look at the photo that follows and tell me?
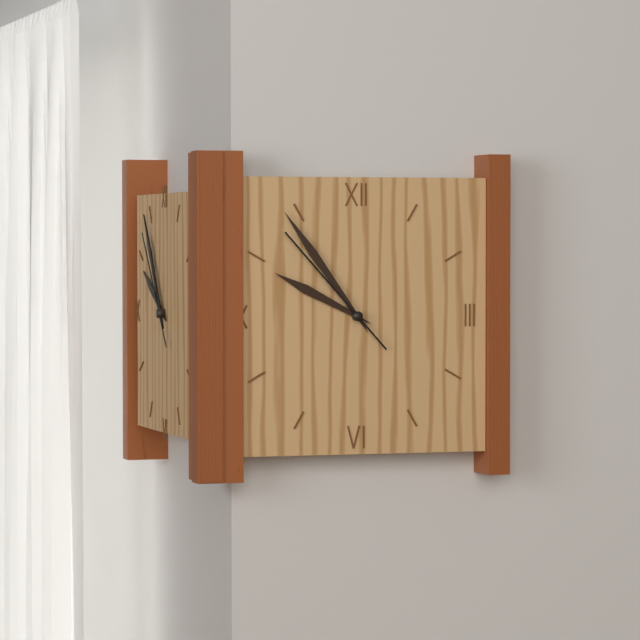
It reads 9 h 54 min 53 s
